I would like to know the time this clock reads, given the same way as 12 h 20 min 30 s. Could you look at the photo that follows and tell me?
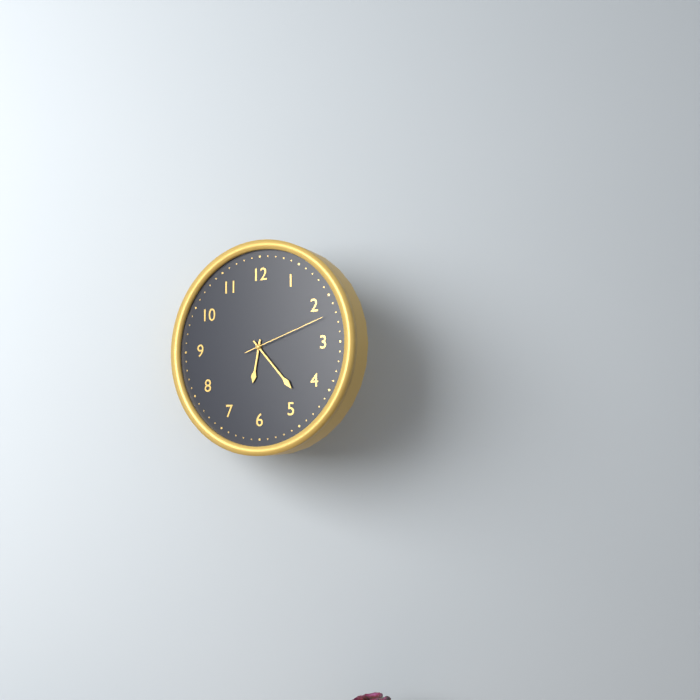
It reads 6 h 23 min 12 s
